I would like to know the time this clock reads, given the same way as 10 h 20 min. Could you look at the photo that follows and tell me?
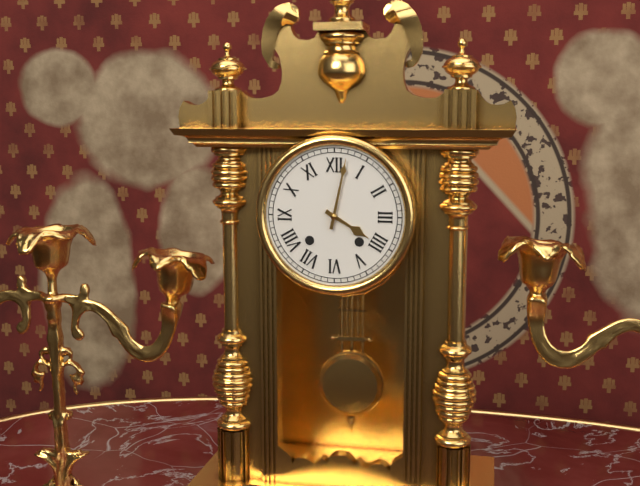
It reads 4 h 02 min
